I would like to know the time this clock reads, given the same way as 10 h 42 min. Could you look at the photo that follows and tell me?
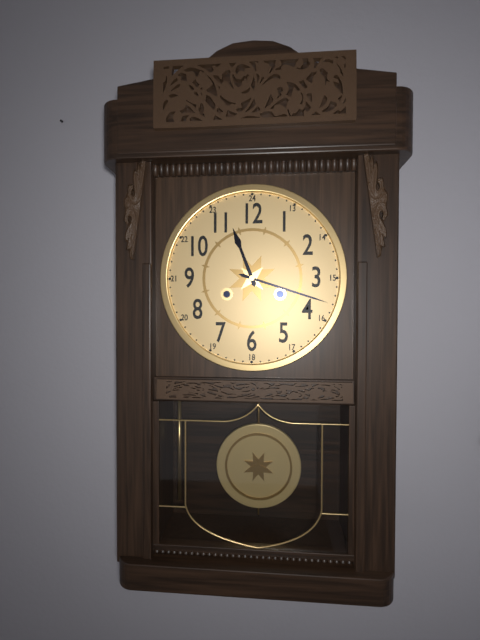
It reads 11 h 18 min
